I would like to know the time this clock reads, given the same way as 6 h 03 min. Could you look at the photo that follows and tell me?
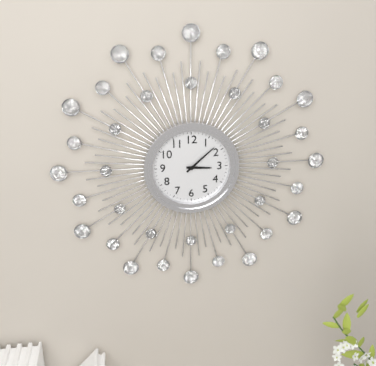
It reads 3 h 08 min
